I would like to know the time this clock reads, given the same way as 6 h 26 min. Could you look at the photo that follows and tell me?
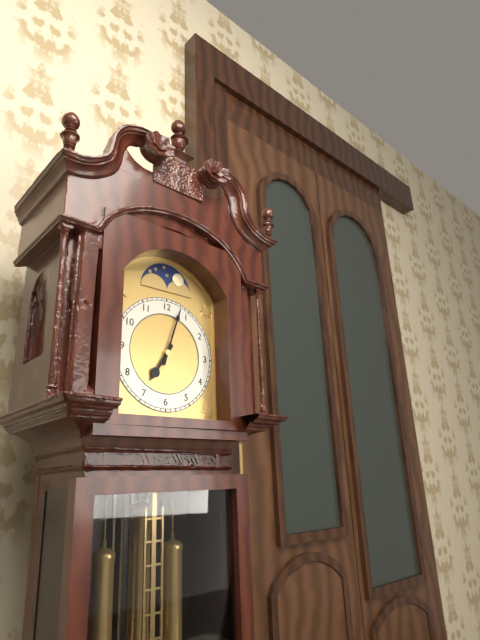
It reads 7 h 03 min
